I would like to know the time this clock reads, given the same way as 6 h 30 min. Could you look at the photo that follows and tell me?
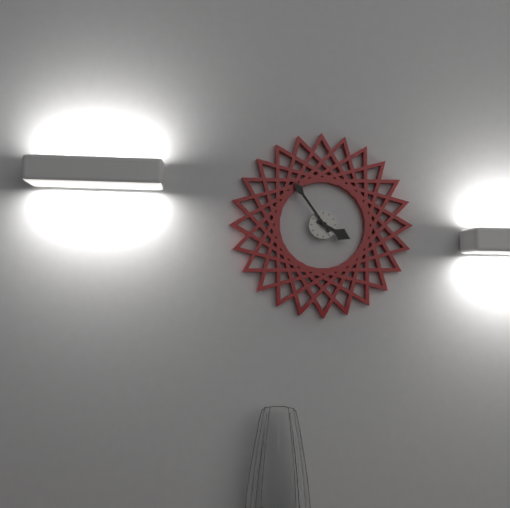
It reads 3 h 54 min
